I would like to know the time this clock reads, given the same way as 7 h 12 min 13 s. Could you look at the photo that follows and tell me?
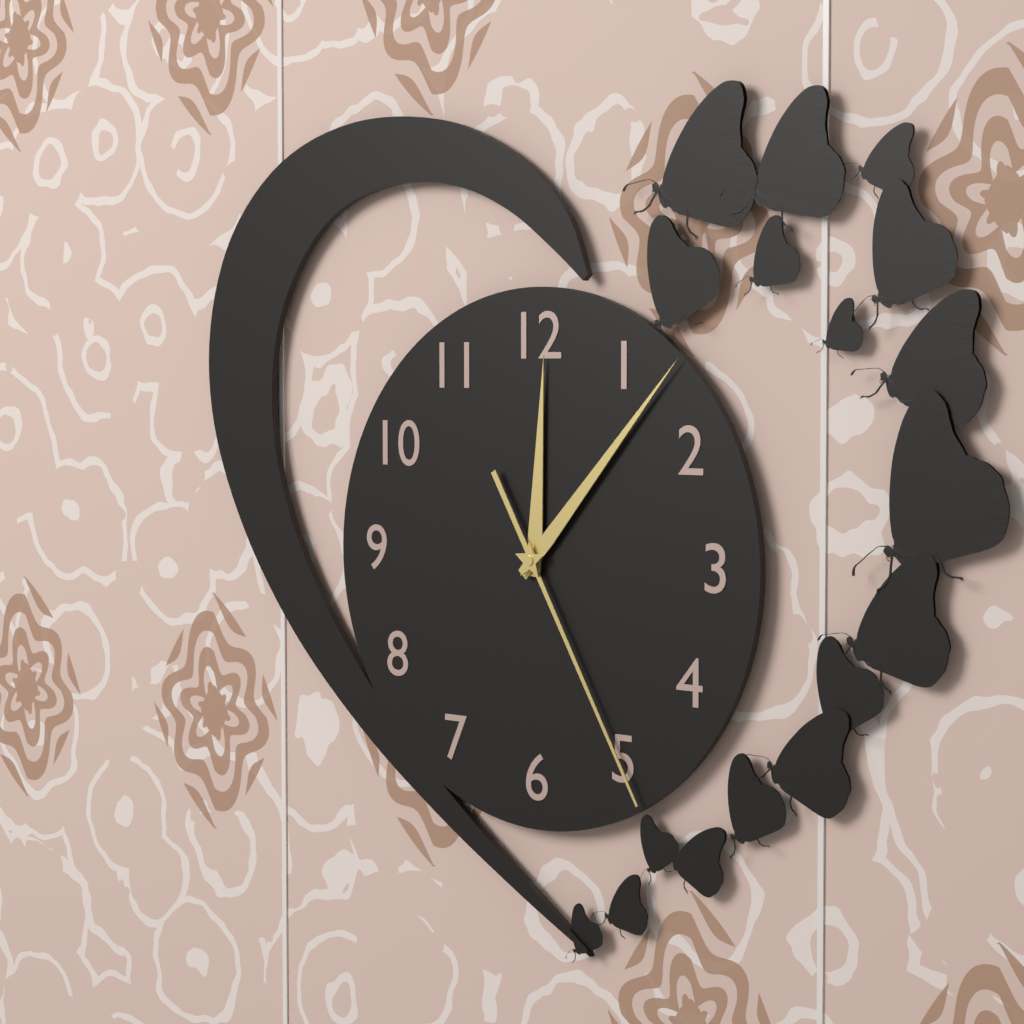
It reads 12 h 07 min 25 s
